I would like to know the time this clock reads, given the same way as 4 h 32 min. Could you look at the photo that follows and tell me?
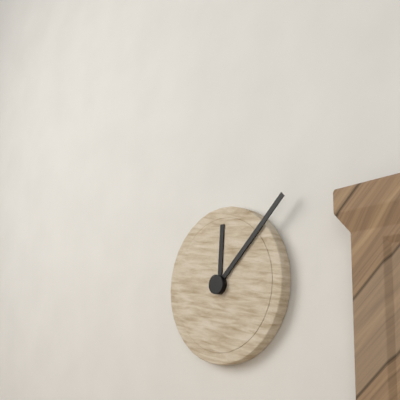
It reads 12 h 08 min
